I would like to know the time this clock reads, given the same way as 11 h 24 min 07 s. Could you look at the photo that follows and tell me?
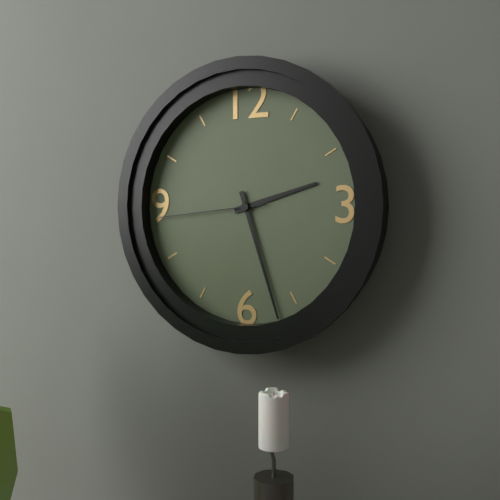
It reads 2 h 27 min 44 s
